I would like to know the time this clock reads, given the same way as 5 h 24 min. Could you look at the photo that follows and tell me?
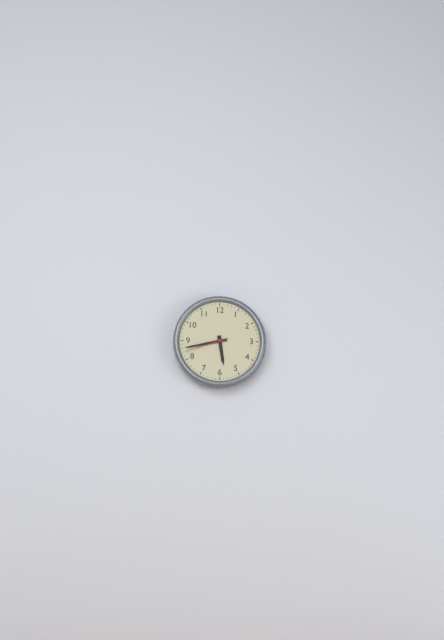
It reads 5 h 43 min
